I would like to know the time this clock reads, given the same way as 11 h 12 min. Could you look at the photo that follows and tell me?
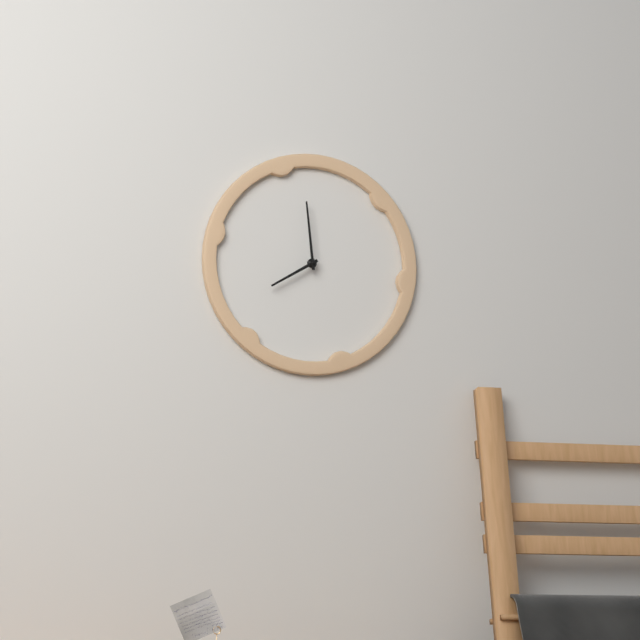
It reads 7 h 59 min
